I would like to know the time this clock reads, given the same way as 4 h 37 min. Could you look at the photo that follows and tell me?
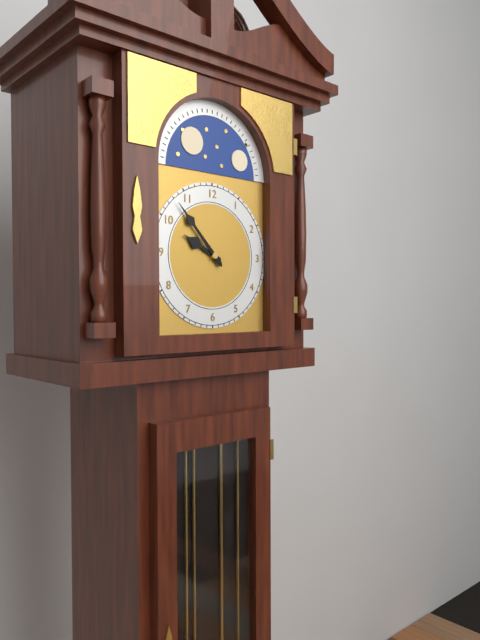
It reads 9 h 53 min
